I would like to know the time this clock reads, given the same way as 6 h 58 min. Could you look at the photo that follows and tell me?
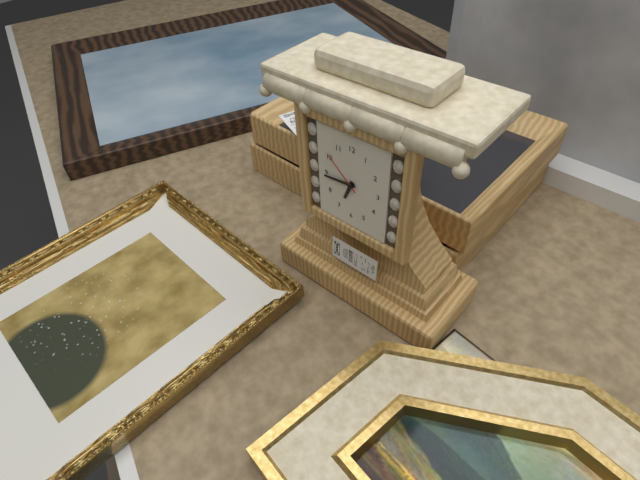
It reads 6 h 44 min
